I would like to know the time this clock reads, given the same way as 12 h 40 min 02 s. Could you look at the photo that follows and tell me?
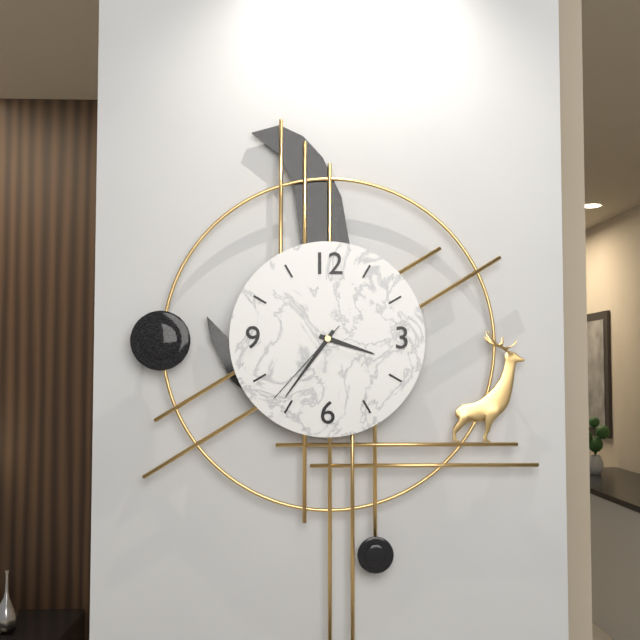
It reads 3 h 36 min 37 s
